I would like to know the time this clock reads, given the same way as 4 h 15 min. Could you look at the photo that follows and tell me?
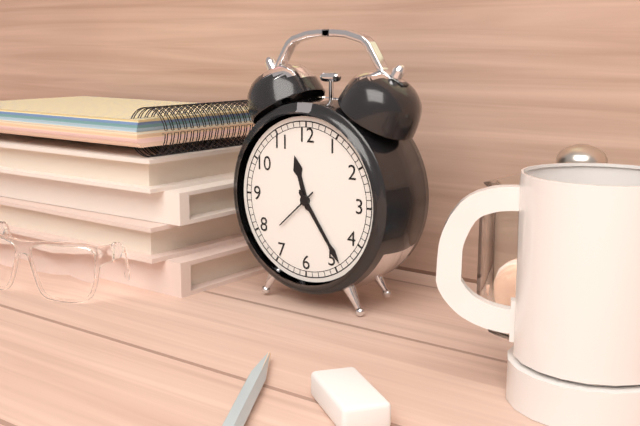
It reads 11 h 24 min
